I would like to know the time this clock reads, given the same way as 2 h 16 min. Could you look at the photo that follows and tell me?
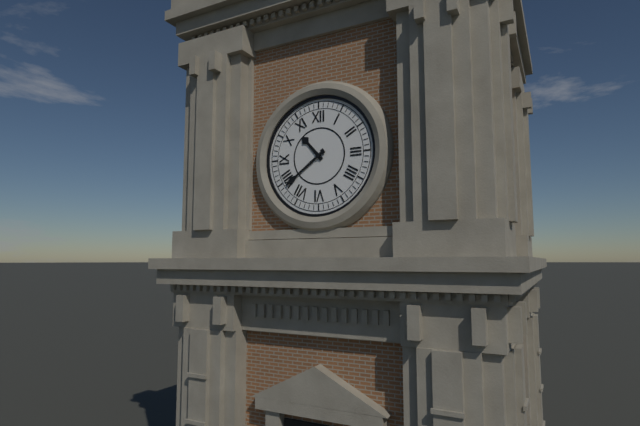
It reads 10 h 39 min
